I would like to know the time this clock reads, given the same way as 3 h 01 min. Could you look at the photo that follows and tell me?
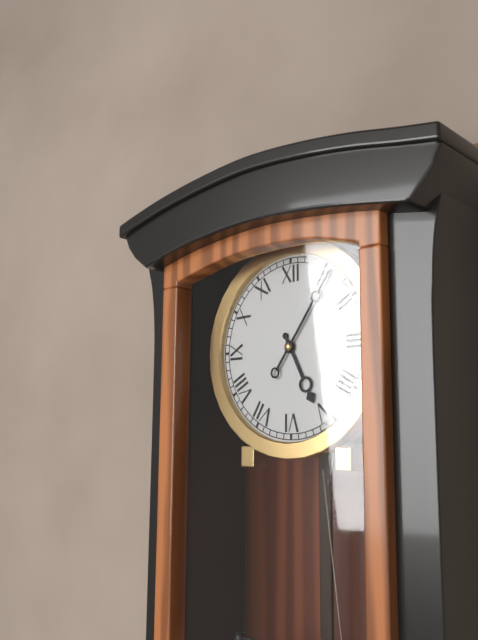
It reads 5 h 06 min
